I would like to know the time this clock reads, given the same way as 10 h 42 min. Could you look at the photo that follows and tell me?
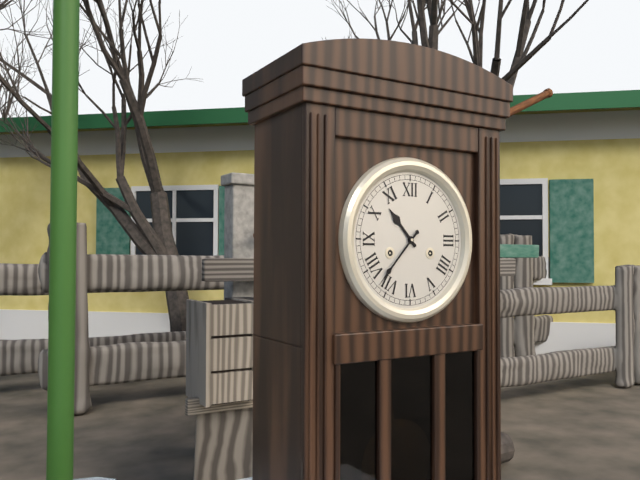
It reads 10 h 37 min
